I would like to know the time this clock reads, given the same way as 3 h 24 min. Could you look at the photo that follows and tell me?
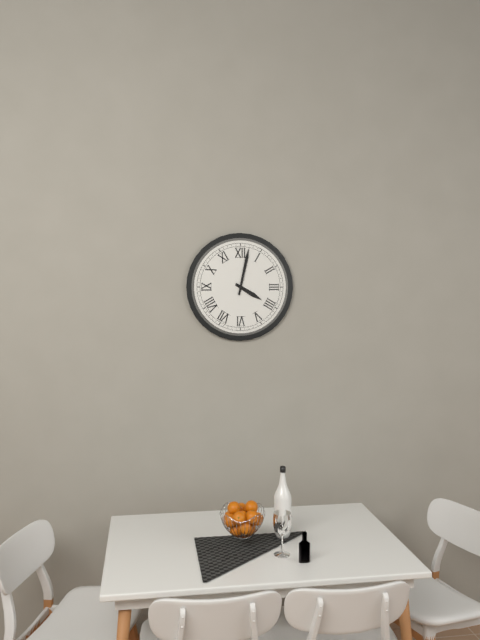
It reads 4 h 02 min
